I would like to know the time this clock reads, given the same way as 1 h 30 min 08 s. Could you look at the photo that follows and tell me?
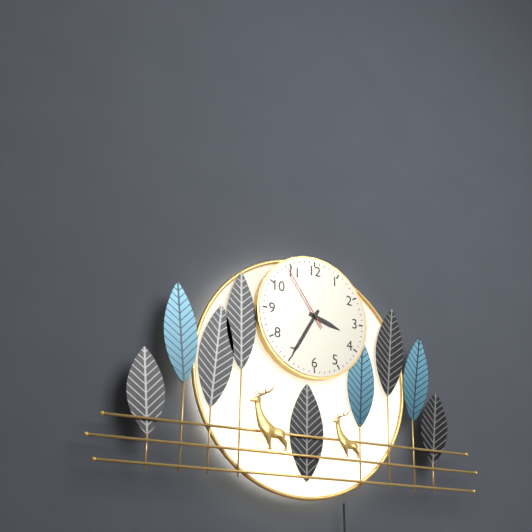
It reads 3 h 35 min 54 s
